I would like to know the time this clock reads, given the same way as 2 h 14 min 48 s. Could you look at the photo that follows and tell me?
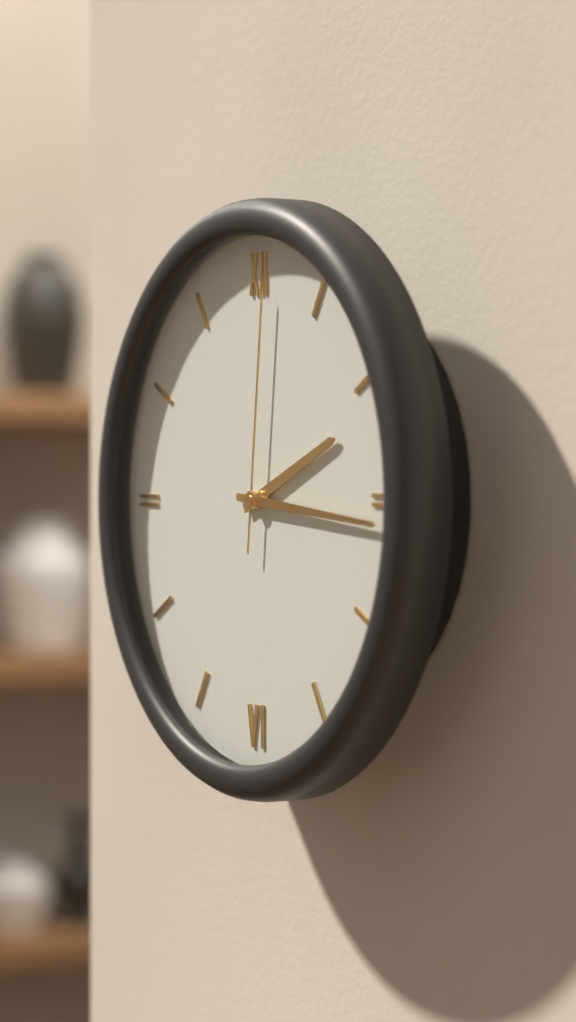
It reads 2 h 16 min 01 s
